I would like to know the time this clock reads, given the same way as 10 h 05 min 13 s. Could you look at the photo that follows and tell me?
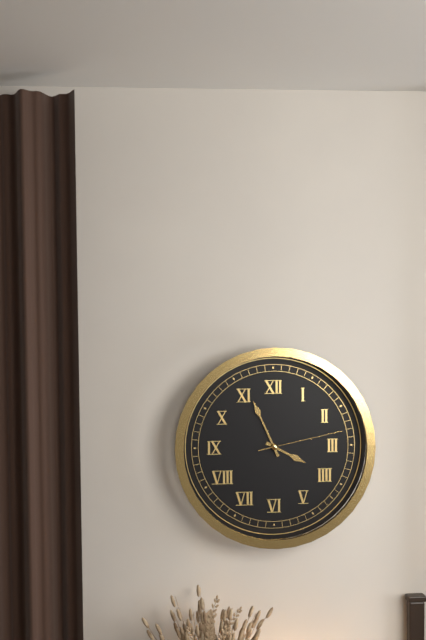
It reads 3 h 56 min 13 s
